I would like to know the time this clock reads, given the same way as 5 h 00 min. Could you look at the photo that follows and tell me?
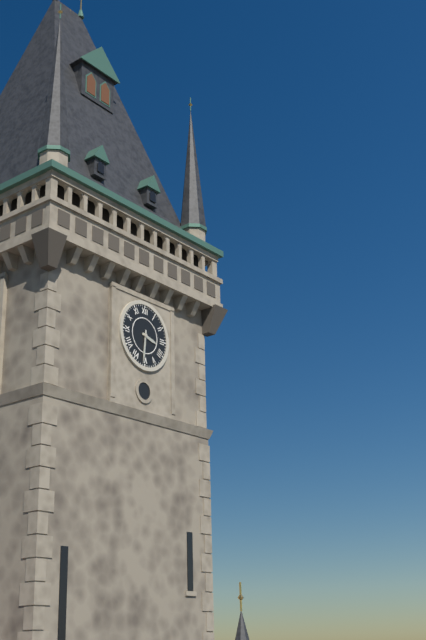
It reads 3 h 31 min
